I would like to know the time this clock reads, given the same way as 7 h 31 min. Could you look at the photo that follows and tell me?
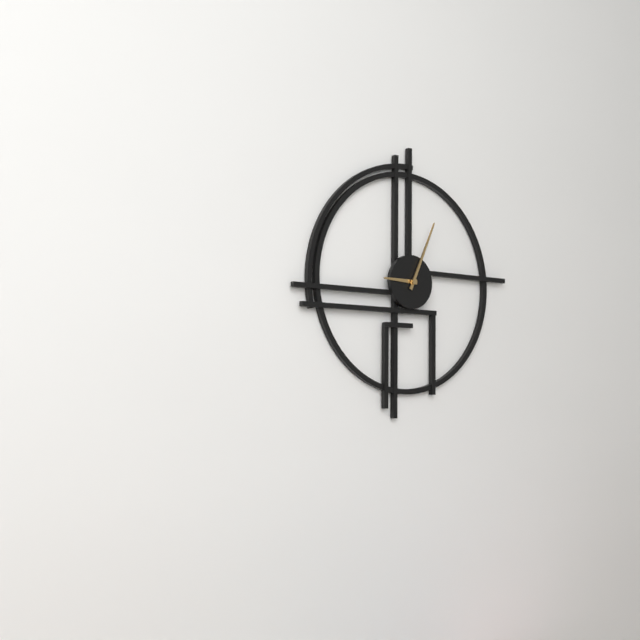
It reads 9 h 04 min
